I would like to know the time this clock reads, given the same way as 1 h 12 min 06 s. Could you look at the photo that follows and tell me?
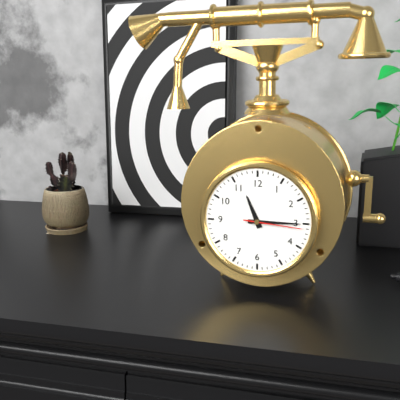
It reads 11 h 15 min 16 s
